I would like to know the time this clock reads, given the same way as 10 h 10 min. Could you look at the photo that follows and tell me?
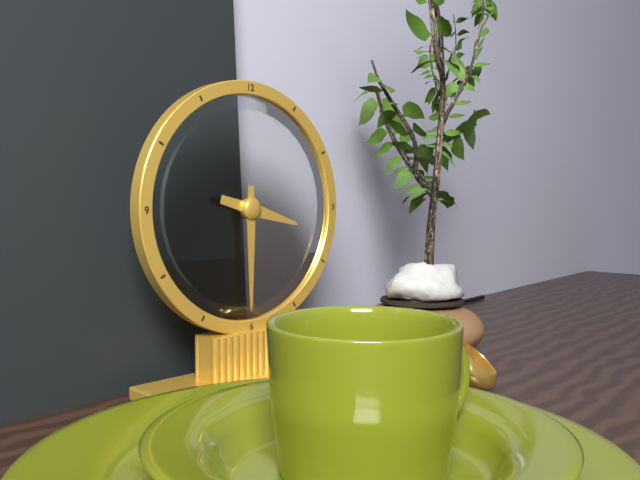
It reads 3 h 30 min
